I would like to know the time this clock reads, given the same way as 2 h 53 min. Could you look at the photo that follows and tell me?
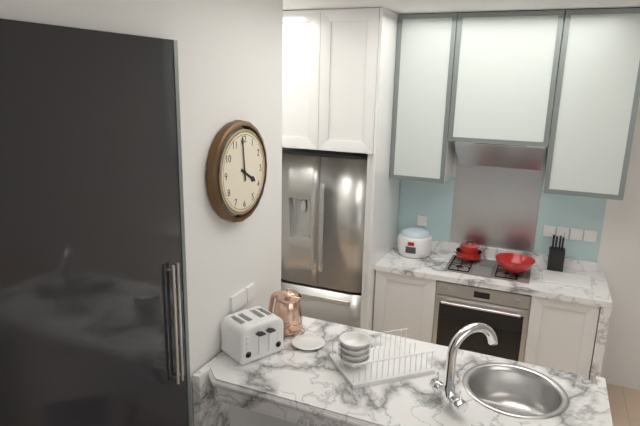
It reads 3 h 59 min
